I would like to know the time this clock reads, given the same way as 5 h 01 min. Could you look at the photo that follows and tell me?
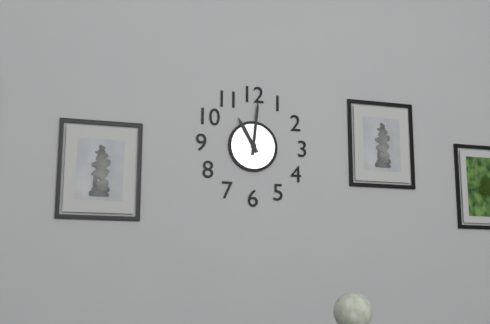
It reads 11 h 01 min
